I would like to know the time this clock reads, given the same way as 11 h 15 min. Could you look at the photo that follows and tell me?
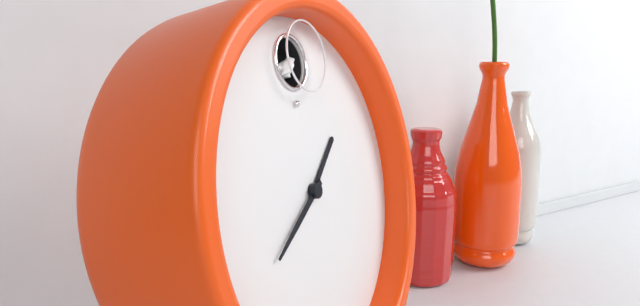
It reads 1 h 40 min
